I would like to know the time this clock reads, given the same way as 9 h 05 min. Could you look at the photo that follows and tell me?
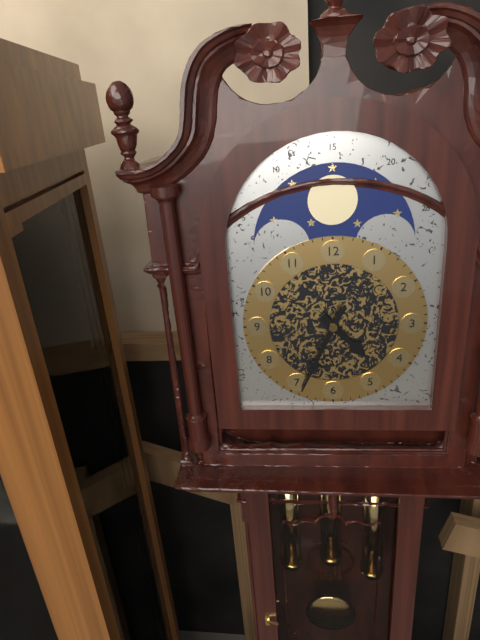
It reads 4 h 34 min
